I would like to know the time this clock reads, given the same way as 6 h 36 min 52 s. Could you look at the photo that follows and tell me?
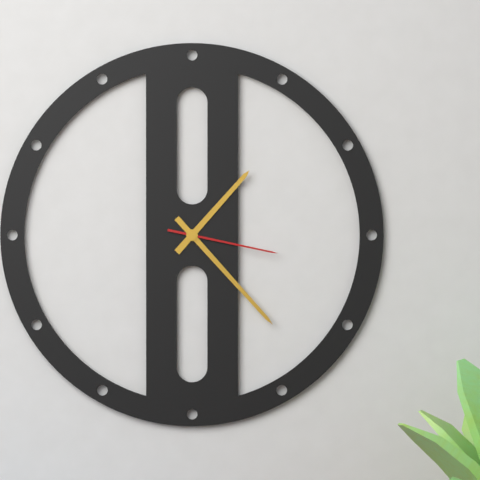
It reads 1 h 23 min 17 s
